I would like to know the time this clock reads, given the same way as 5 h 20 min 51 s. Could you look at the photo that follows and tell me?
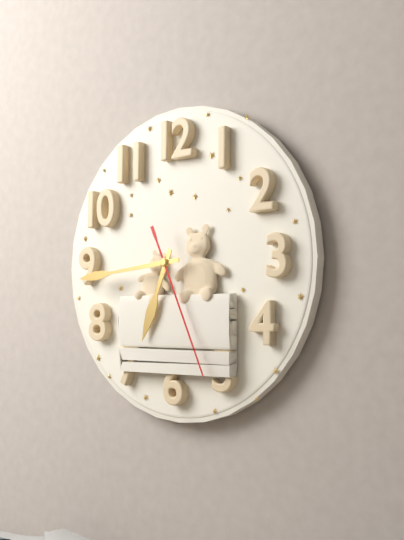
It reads 6 h 44 min 26 s
